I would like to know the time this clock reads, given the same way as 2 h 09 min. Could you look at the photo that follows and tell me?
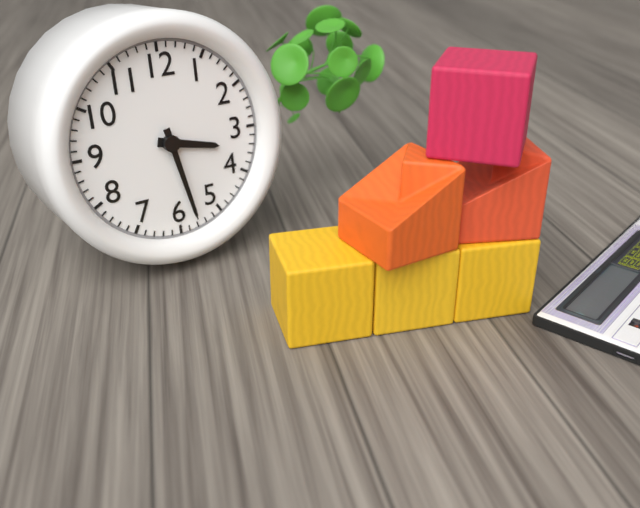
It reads 3 h 28 min
